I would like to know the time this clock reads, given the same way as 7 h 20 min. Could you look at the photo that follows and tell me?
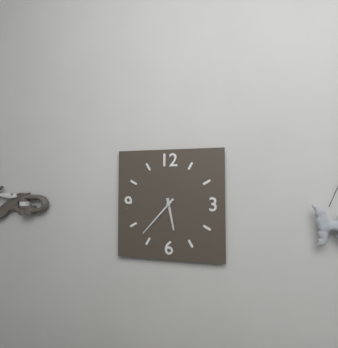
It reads 5 h 37 min
